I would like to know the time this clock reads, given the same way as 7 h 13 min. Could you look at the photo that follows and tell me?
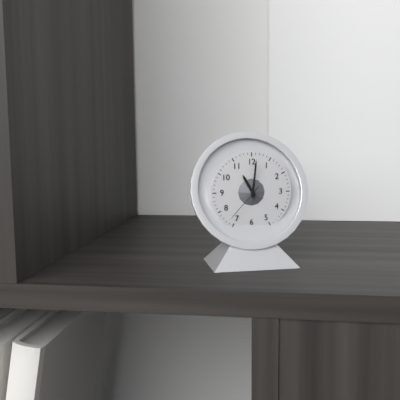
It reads 11 h 01 min
